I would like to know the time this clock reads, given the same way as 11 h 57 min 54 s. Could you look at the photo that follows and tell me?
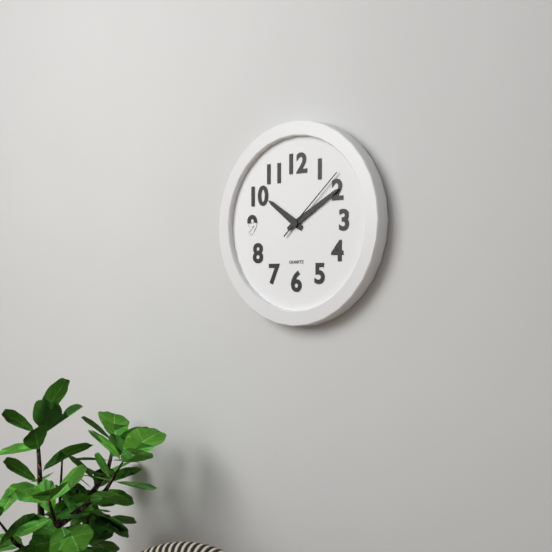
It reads 10 h 10 min 08 s
